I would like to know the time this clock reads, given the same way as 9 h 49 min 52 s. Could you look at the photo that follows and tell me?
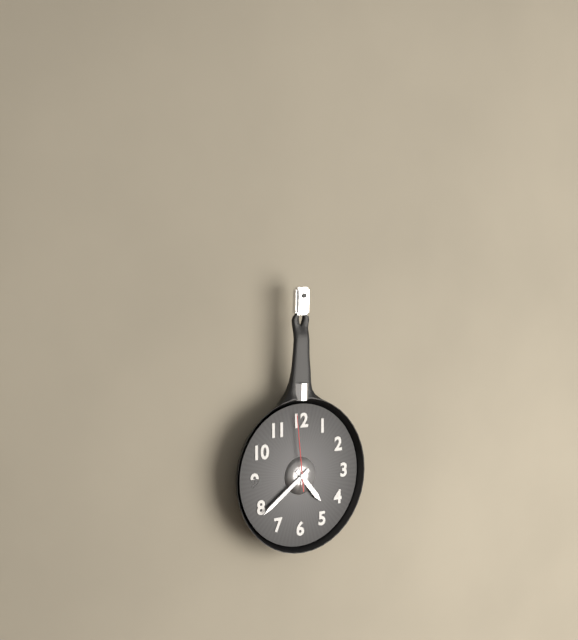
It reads 4 h 39 min 59 s
